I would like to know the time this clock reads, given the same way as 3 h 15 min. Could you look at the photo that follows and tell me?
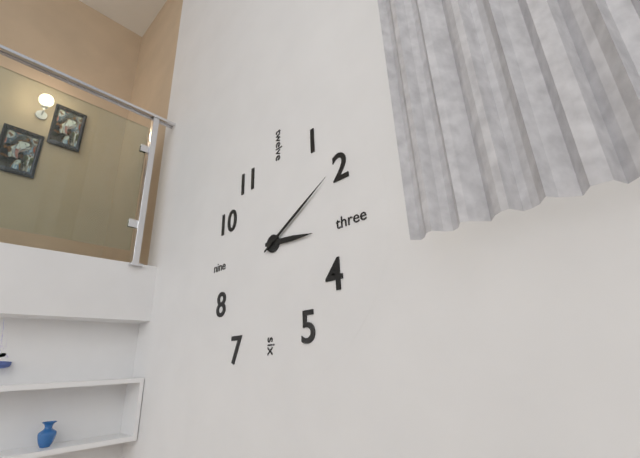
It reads 3 h 10 min
